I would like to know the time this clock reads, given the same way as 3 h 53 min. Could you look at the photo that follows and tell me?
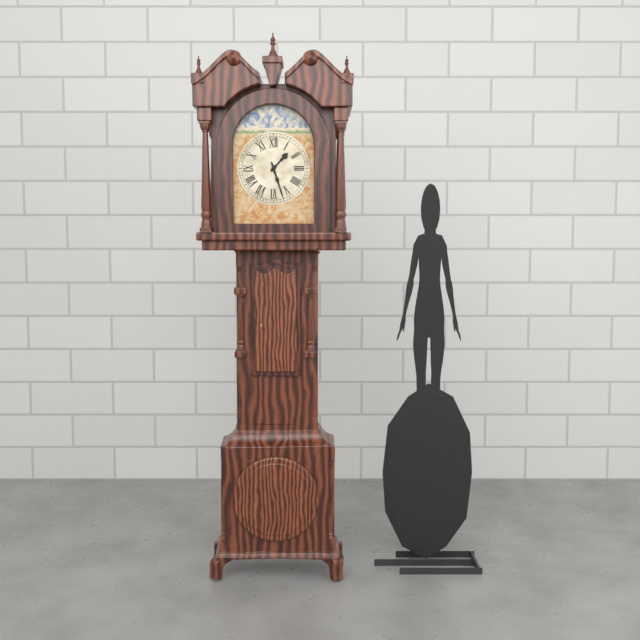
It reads 1 h 27 min
